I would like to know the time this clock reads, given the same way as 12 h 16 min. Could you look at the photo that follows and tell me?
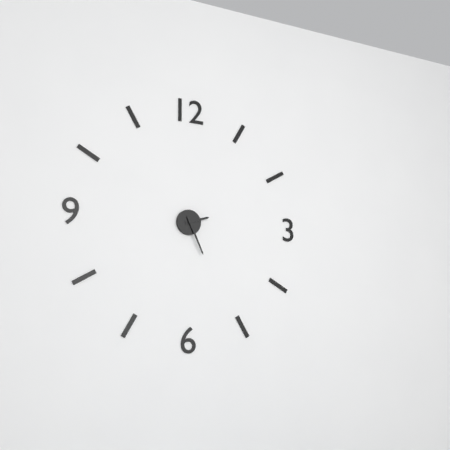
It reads 2 h 26 min
